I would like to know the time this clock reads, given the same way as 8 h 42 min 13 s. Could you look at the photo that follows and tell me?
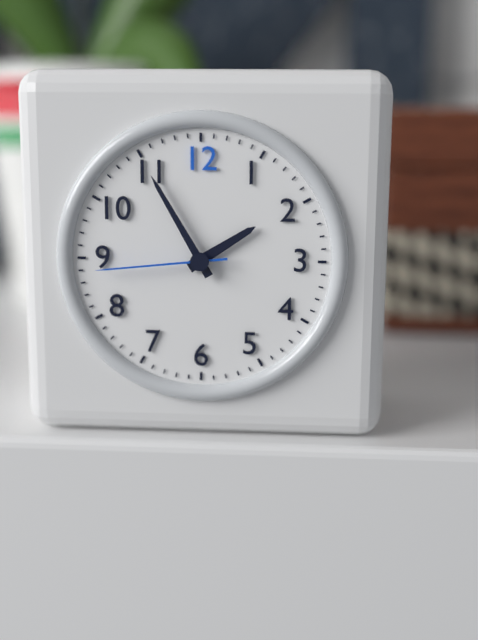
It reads 1 h 55 min 44 s
